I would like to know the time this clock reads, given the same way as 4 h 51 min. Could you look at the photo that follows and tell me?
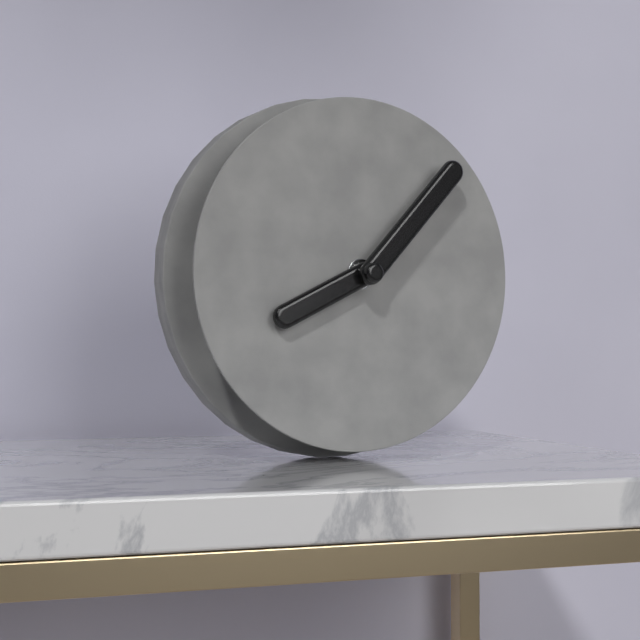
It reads 8 h 07 min
